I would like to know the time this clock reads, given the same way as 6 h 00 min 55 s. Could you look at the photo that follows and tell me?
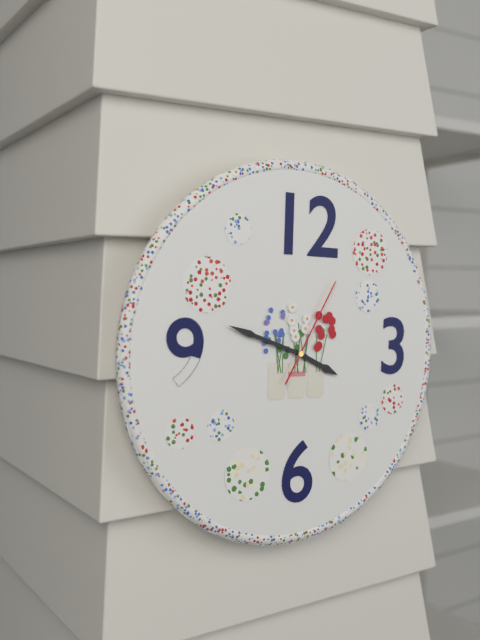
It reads 3 h 48 min 05 s
